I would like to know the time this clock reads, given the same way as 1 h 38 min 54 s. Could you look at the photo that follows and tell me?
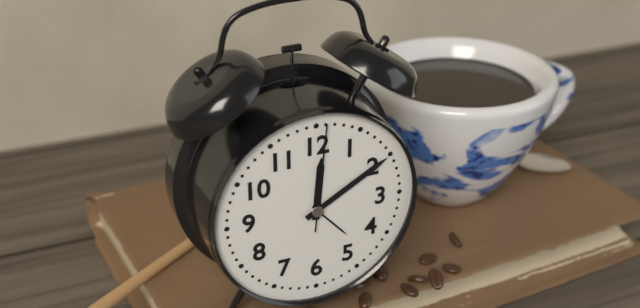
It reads 12 h 10 min 01 s
